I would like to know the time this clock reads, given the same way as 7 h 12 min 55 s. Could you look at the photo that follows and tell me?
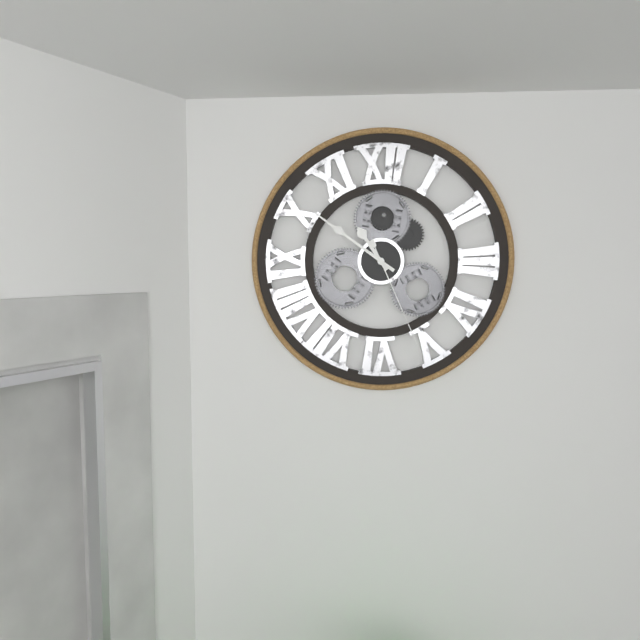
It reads 10 h 51 min 26 s
